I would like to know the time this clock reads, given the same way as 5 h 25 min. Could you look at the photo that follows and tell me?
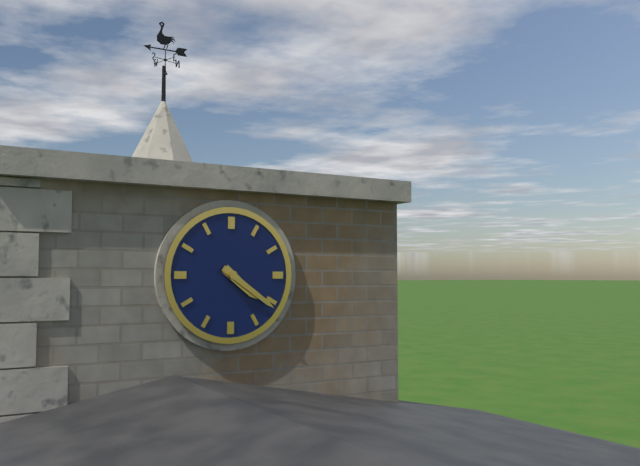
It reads 4 h 21 min
